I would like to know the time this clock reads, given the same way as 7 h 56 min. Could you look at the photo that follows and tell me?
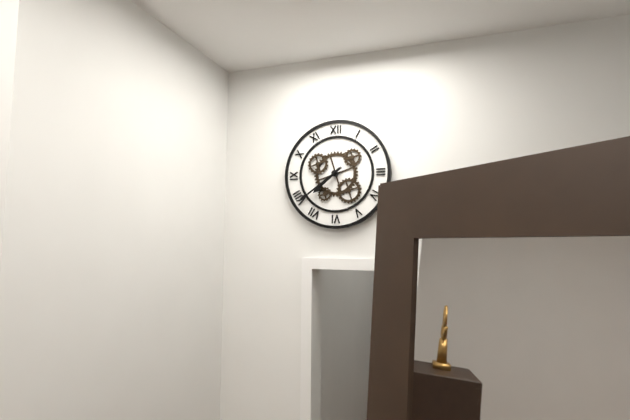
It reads 7 h 39 min
